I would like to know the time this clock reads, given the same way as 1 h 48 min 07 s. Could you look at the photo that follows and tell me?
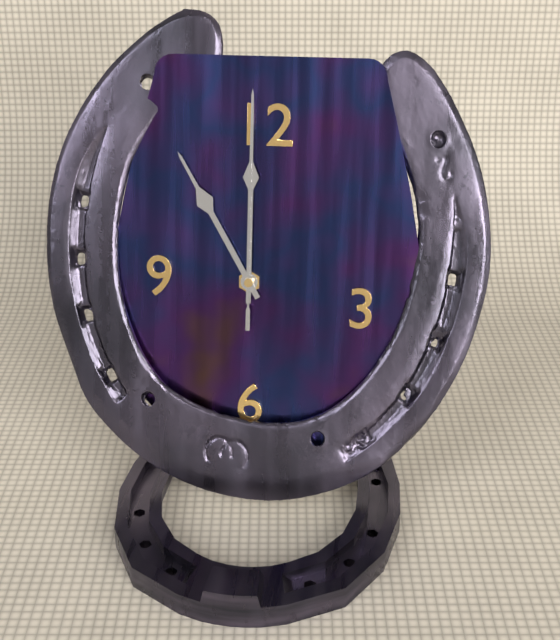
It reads 11 h 00 min 00 s
